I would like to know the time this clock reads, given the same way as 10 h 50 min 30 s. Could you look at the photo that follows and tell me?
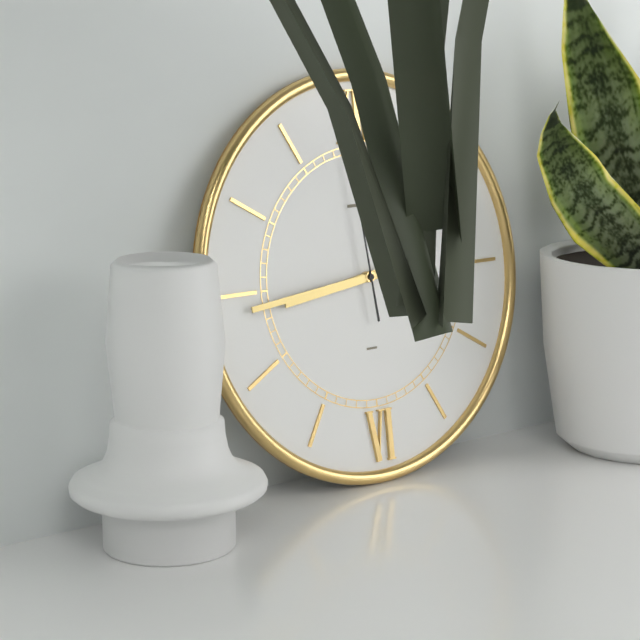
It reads 8 h 44 min 59 s
